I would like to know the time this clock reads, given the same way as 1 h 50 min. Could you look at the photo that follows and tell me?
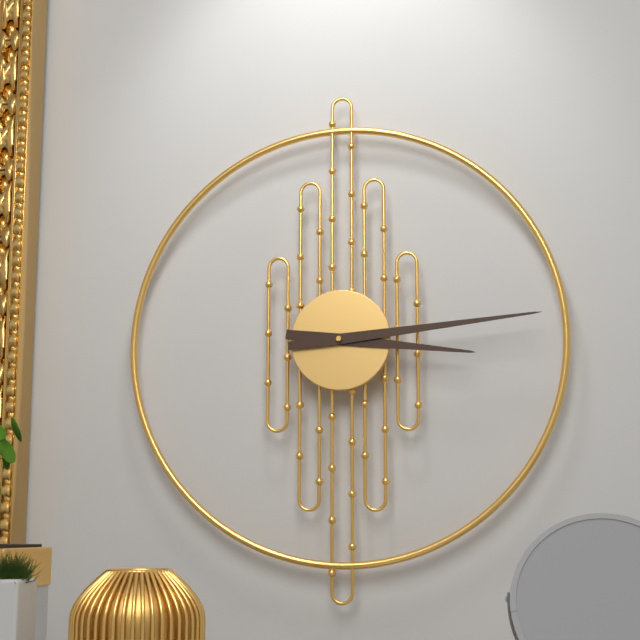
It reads 3 h 14 min
